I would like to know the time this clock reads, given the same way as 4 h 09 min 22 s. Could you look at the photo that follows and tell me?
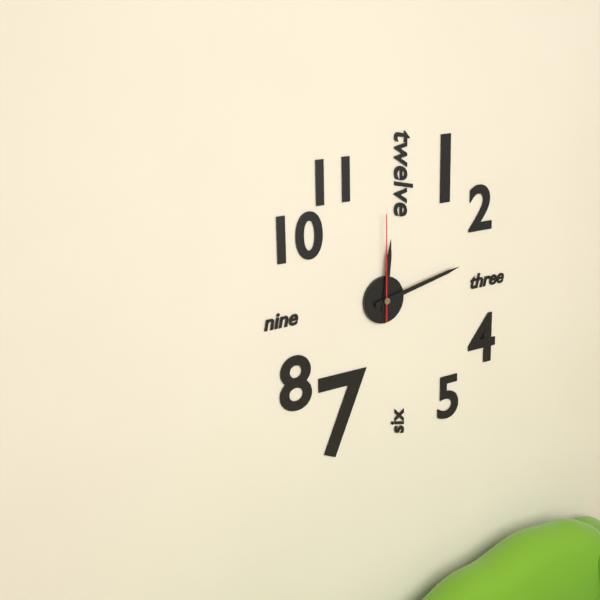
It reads 12 h 13 min 00 s
